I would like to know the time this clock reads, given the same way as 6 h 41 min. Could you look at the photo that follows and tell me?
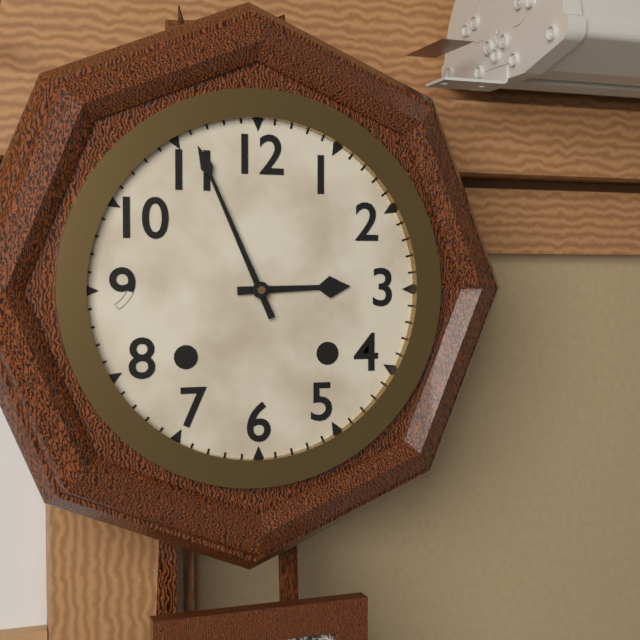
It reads 2 h 56 min
